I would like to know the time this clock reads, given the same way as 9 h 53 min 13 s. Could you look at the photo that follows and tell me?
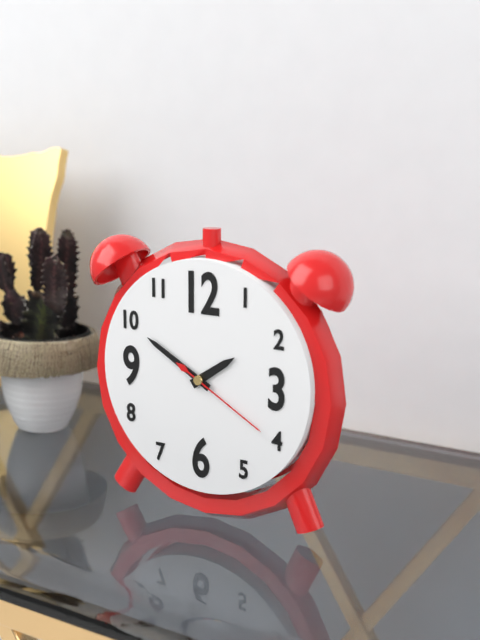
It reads 1 h 50 min 20 s
